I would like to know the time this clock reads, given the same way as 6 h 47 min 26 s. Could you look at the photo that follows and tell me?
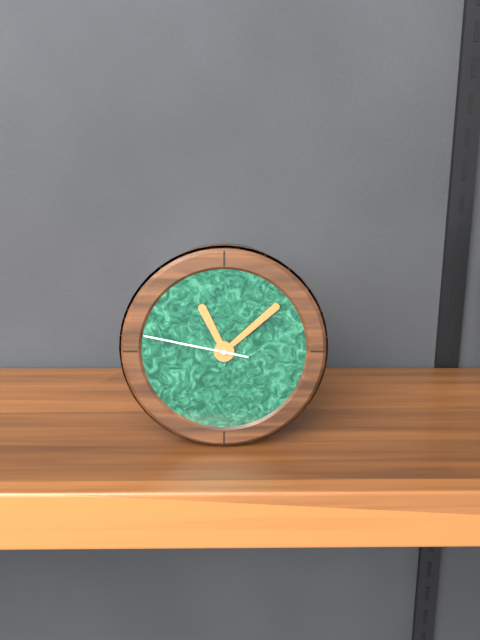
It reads 11 h 08 min 47 s
